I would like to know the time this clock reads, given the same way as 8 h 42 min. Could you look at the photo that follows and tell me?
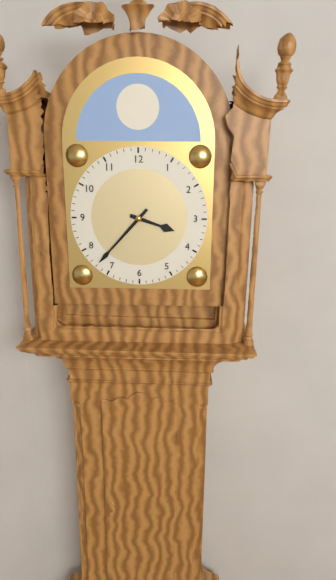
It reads 3 h 37 min
